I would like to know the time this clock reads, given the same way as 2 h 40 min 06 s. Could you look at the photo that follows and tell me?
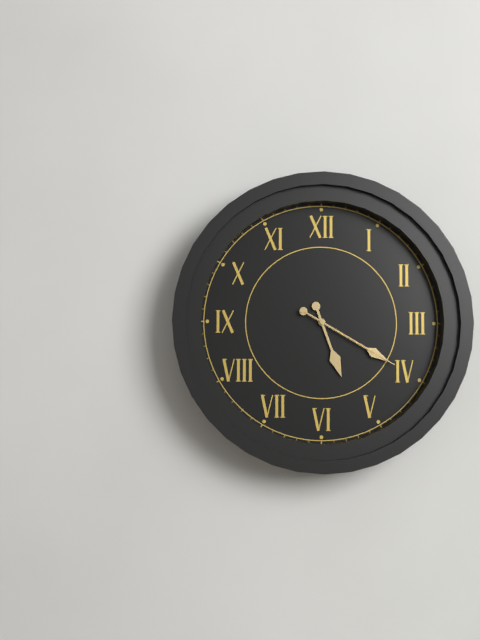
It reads 5 h 20 min 20 s
